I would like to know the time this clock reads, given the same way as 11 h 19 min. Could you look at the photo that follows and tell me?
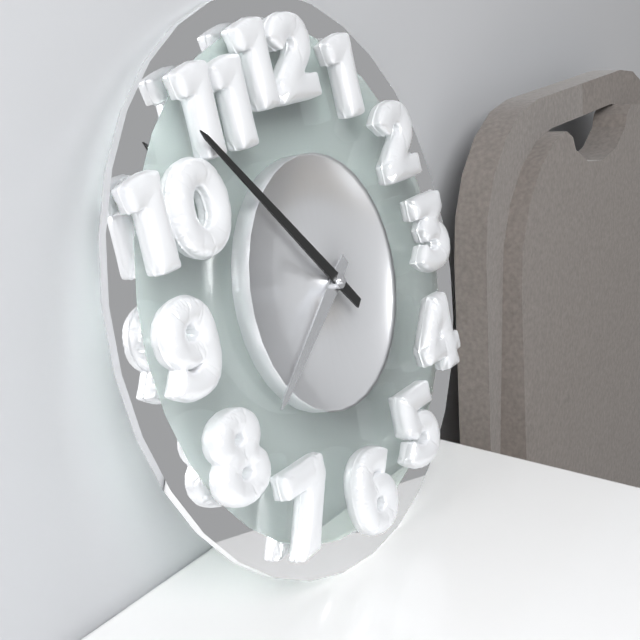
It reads 7 h 53 min
